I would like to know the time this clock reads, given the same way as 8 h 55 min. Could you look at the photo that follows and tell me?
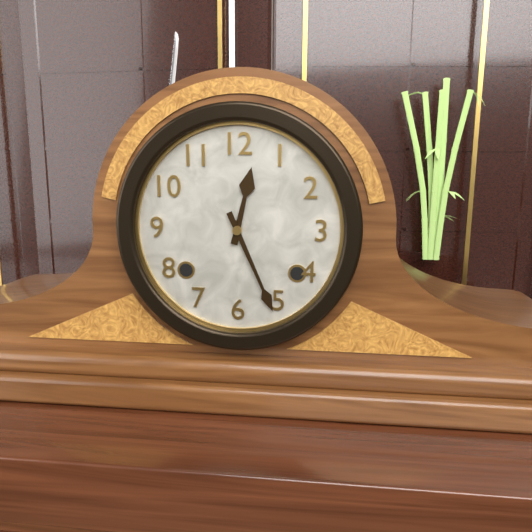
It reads 12 h 26 min
